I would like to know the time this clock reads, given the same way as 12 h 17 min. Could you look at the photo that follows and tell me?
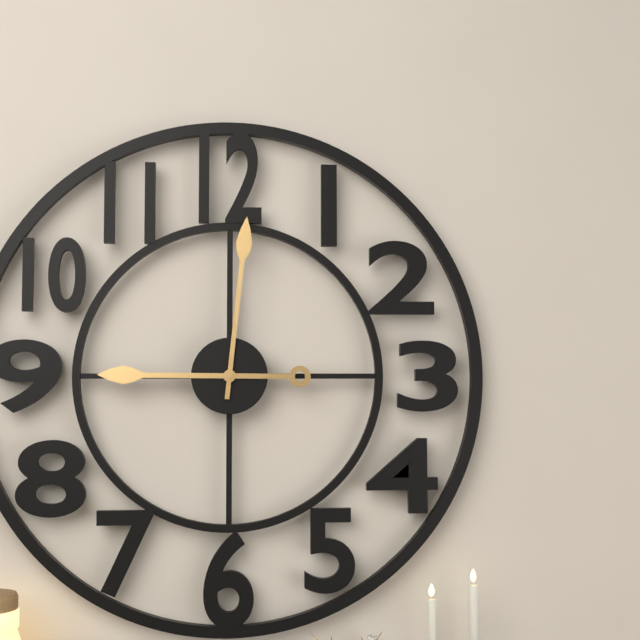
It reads 9 h 01 min
